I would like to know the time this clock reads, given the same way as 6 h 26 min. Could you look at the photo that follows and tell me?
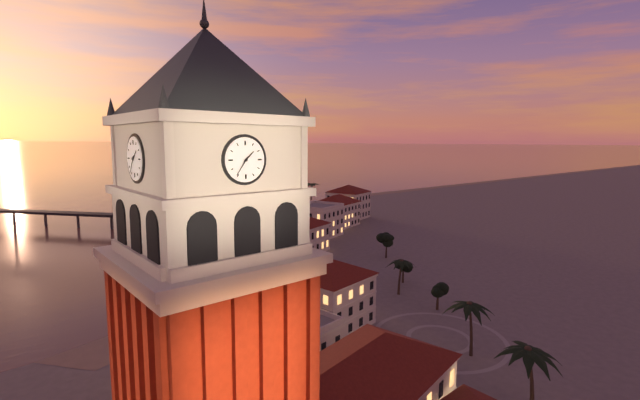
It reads 1 h 36 min
